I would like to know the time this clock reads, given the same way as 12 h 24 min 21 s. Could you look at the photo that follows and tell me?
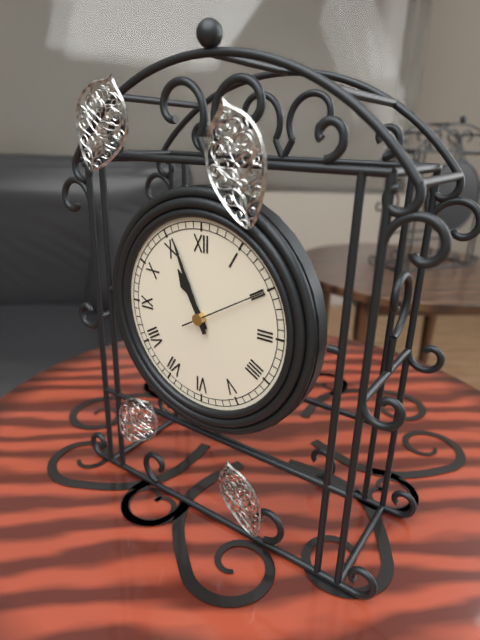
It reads 10 h 56 min 10 s
